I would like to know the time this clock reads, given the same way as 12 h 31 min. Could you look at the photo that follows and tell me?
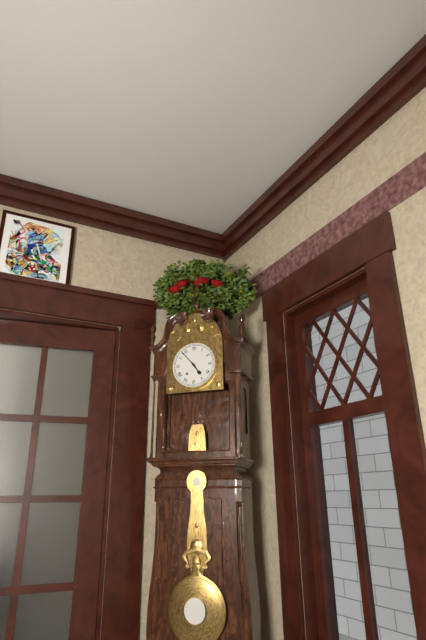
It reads 4 h 53 min
